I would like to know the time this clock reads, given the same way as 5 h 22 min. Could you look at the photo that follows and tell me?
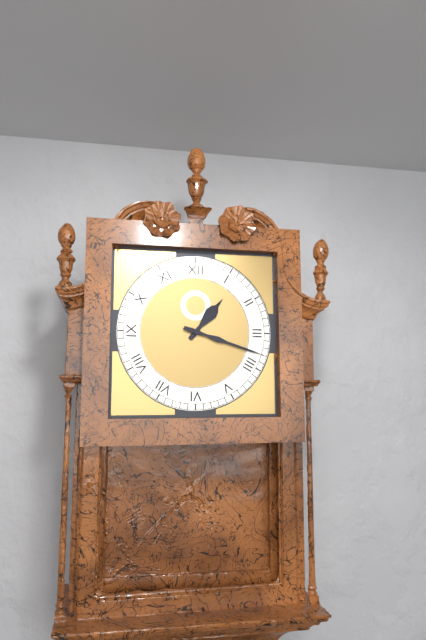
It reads 1 h 18 min
